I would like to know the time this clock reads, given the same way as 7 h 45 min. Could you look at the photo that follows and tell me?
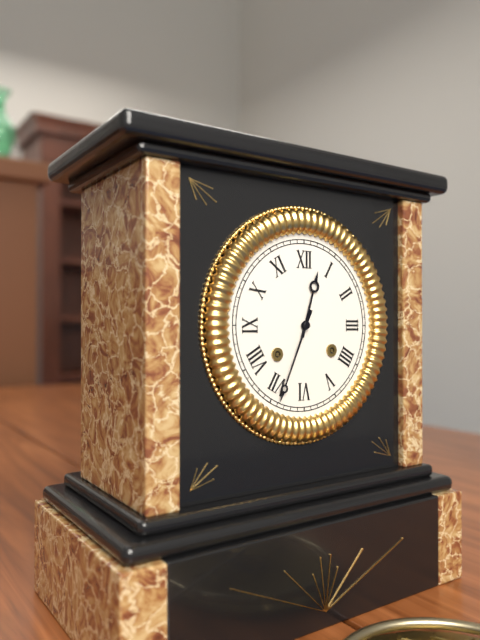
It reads 12 h 34 min
